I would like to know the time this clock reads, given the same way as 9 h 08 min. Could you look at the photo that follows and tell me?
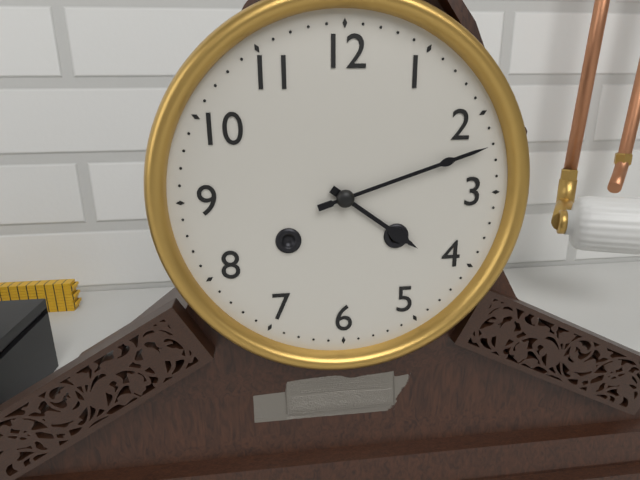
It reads 4 h 12 min
